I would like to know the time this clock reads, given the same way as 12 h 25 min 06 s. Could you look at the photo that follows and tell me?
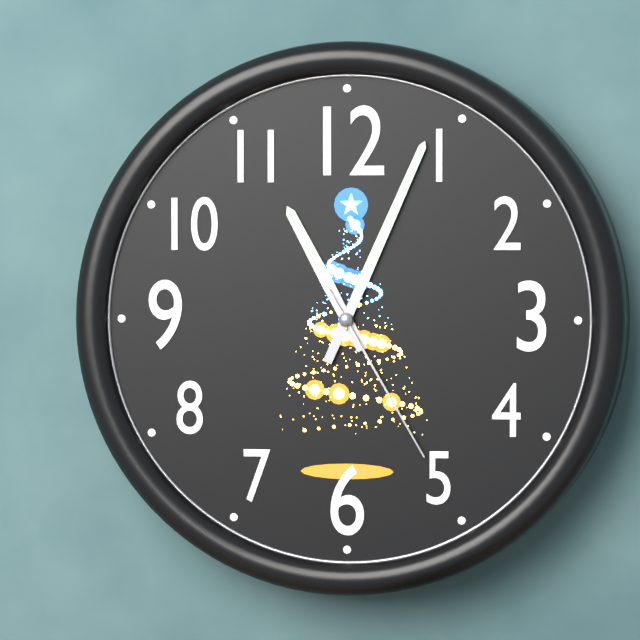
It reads 11 h 04 min 25 s
